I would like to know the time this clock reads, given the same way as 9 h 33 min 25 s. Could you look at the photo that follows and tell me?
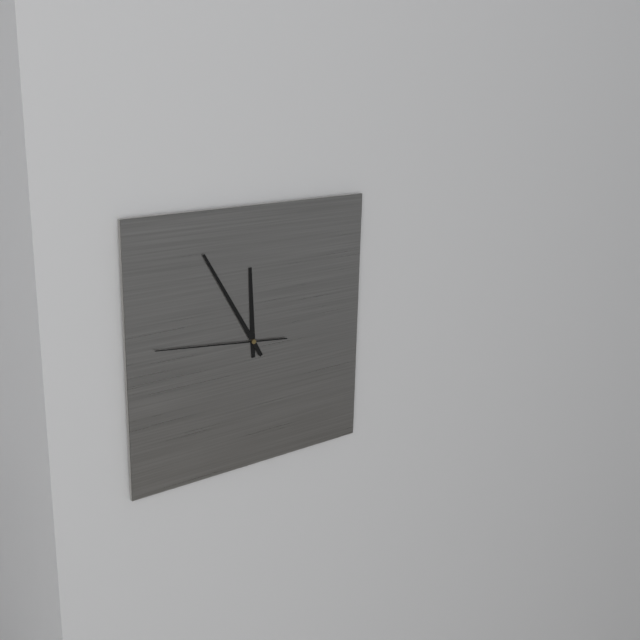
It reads 11 h 55 min 46 s
